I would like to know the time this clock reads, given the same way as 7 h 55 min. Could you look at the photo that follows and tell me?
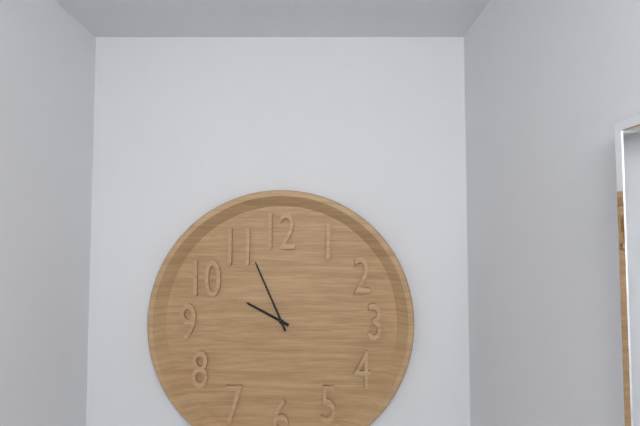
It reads 9 h 56 min
